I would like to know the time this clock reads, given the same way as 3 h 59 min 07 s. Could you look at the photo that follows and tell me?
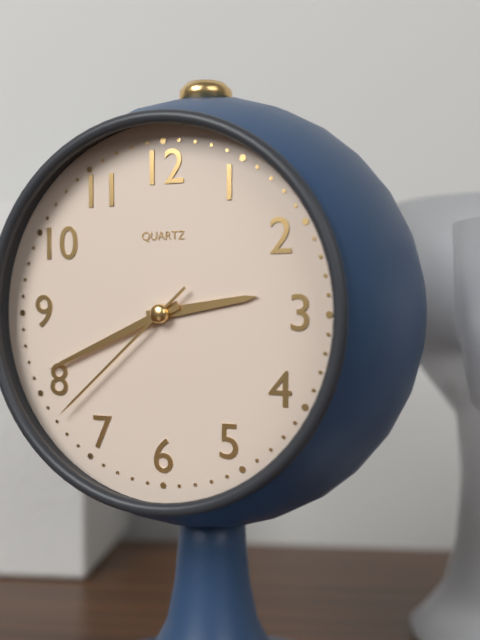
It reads 2 h 41 min 38 s
